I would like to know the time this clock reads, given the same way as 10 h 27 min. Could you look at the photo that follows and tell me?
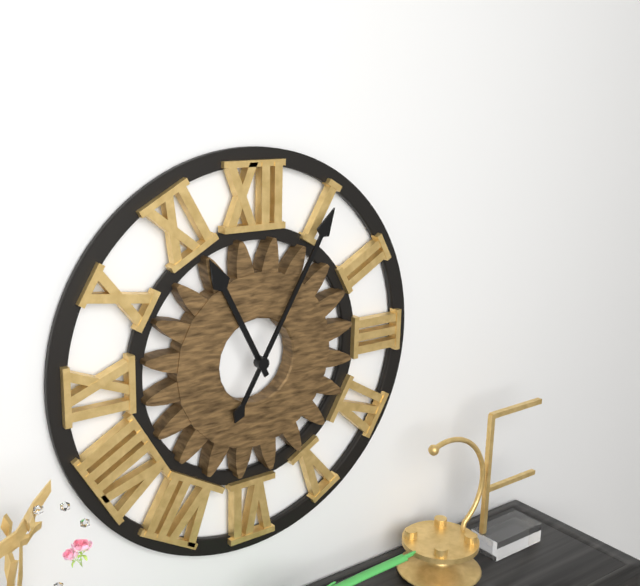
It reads 11 h 05 min
